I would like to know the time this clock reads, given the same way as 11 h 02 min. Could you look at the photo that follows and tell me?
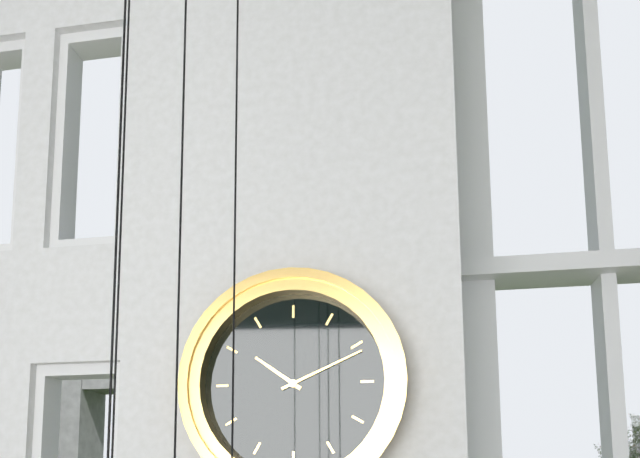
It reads 10 h 11 min
